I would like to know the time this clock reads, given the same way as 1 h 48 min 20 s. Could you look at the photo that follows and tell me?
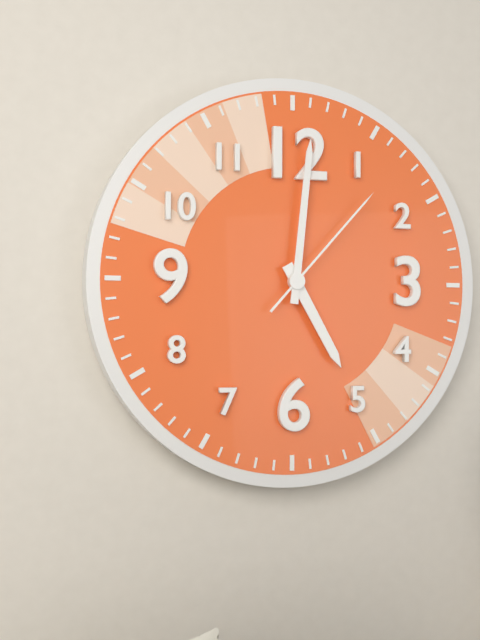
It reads 5 h 01 min 07 s
